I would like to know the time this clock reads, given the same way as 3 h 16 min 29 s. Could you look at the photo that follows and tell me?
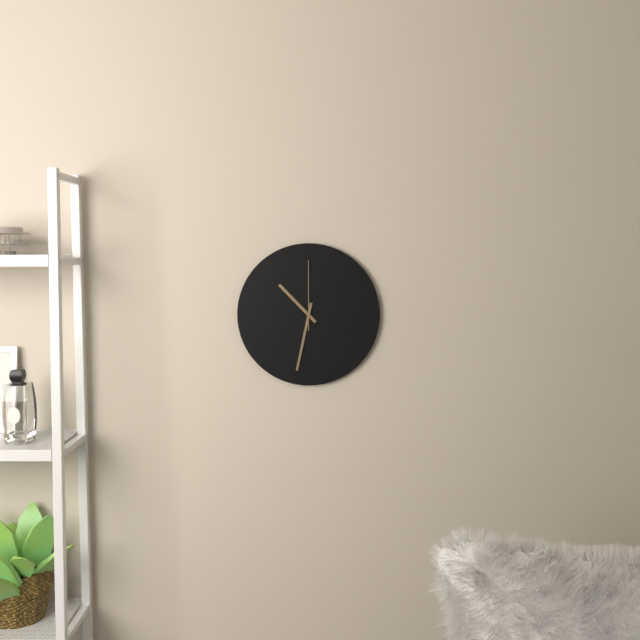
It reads 10 h 32 min 00 s
